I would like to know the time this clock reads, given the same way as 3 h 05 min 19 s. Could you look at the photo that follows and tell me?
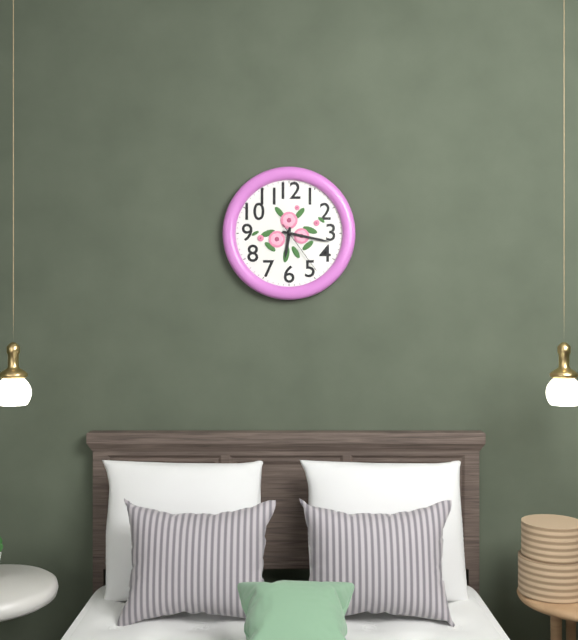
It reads 6 h 17 min 24 s
